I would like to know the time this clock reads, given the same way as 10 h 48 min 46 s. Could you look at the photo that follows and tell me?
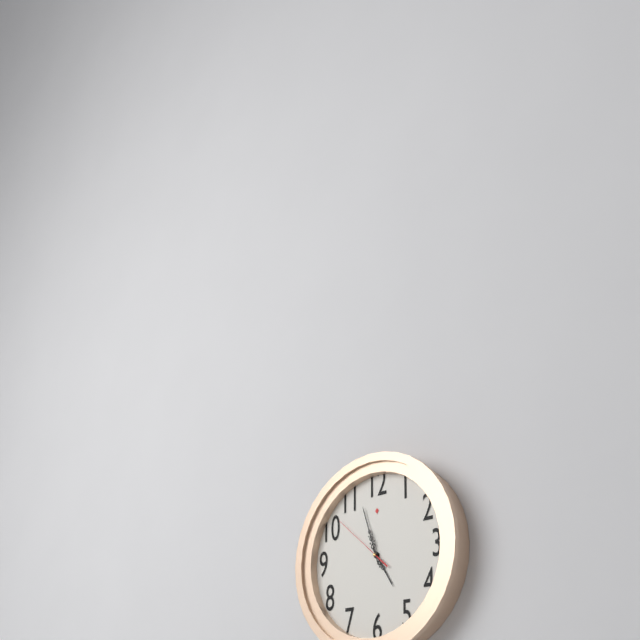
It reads 4 h 57 min 52 s
